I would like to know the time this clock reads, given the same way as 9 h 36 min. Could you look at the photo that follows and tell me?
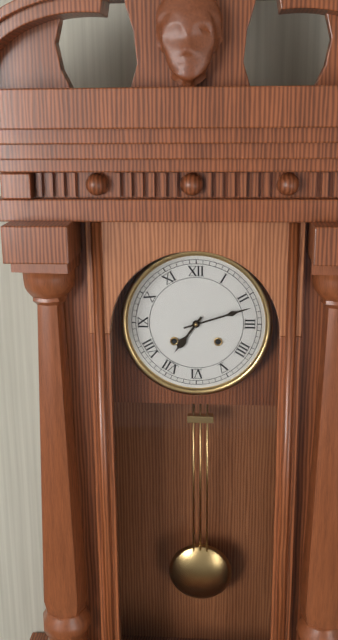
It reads 7 h 12 min
